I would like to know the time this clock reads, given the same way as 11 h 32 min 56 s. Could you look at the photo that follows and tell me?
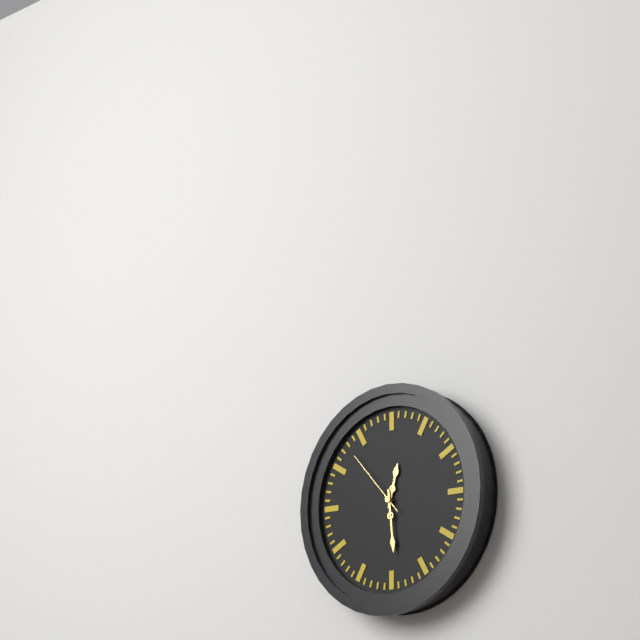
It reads 12 h 29 min 53 s
